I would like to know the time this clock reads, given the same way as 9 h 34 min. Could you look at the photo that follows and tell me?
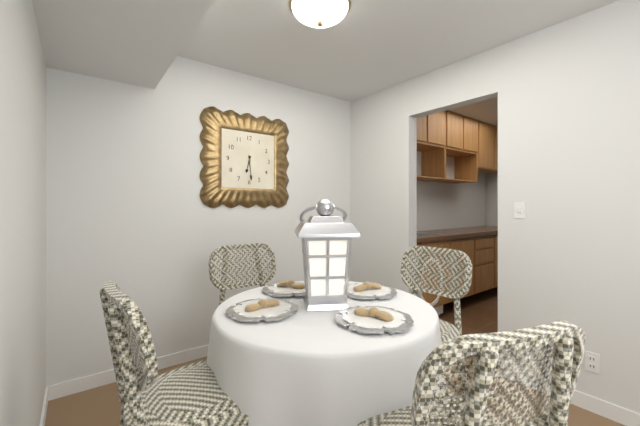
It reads 6 h 29 min
